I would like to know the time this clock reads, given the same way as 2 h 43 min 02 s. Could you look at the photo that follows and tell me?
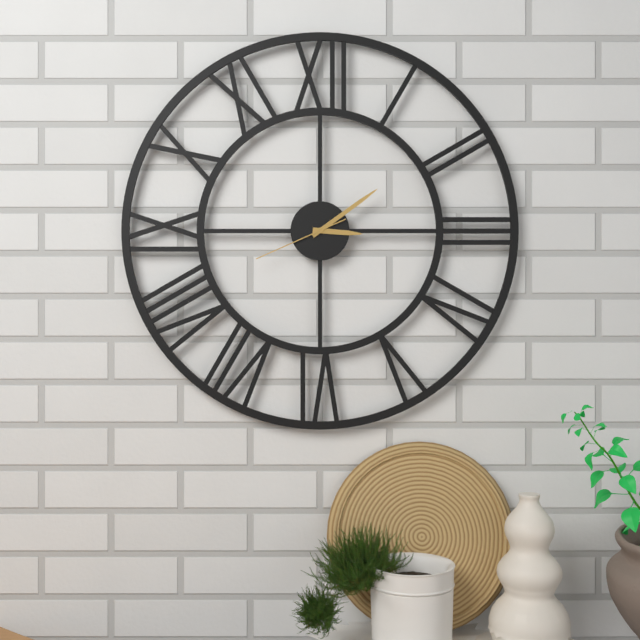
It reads 3 h 09 min 41 s
